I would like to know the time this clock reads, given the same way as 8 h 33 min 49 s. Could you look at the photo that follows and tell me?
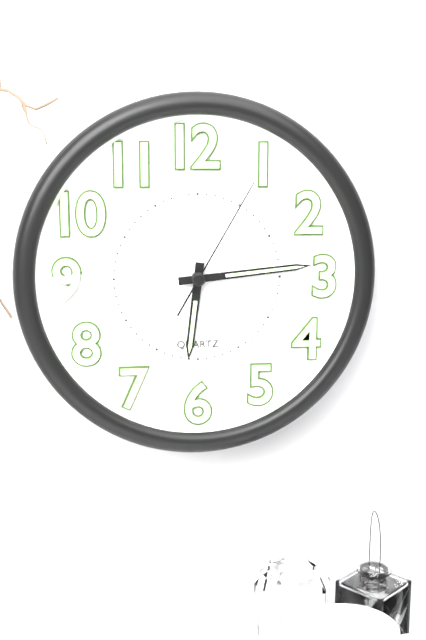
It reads 6 h 14 min 05 s
